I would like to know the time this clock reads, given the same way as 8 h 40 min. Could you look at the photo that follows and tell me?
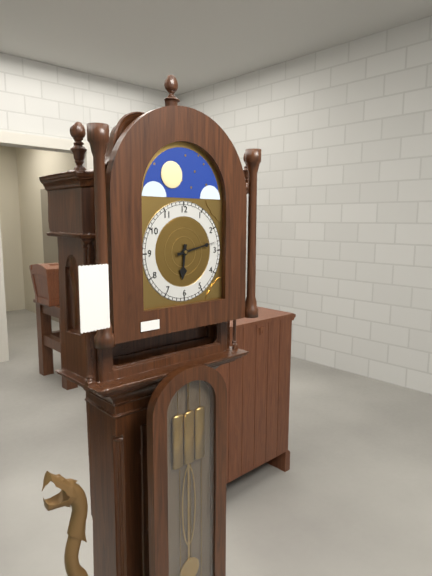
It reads 6 h 13 min
